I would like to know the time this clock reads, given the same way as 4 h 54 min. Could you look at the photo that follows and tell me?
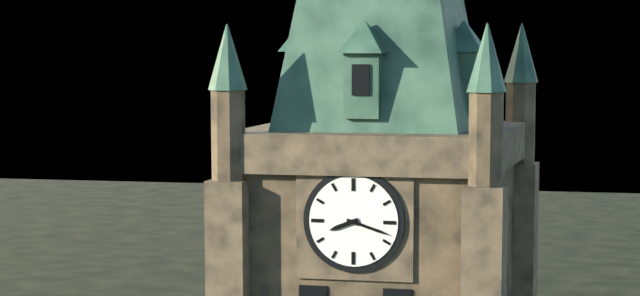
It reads 8 h 18 min
